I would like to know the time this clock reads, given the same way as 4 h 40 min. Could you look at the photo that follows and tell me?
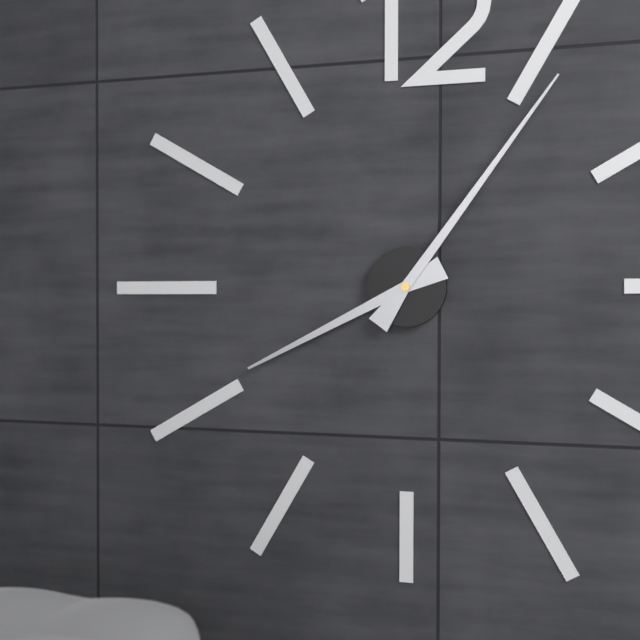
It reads 8 h 06 min
